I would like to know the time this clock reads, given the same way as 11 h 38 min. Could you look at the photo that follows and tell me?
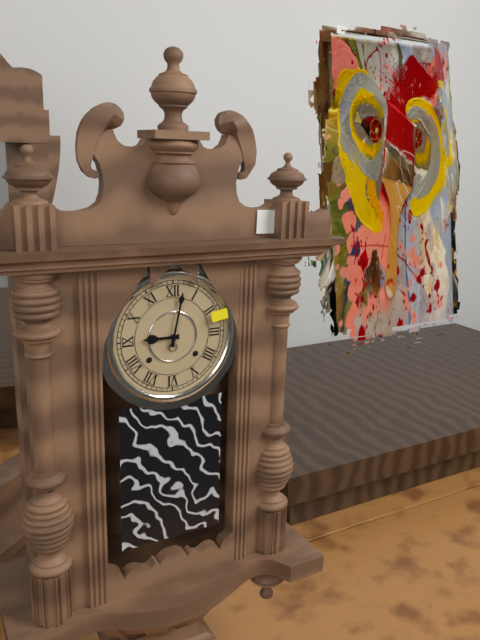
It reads 9 h 02 min
